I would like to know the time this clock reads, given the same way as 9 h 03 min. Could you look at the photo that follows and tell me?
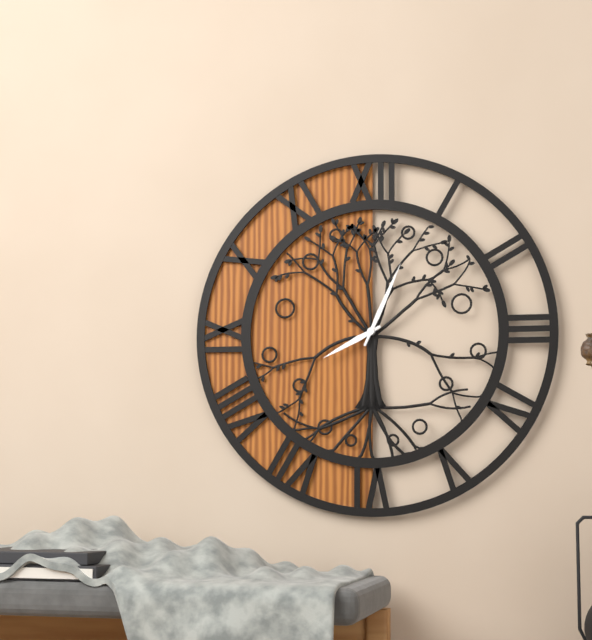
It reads 8 h 04 min
